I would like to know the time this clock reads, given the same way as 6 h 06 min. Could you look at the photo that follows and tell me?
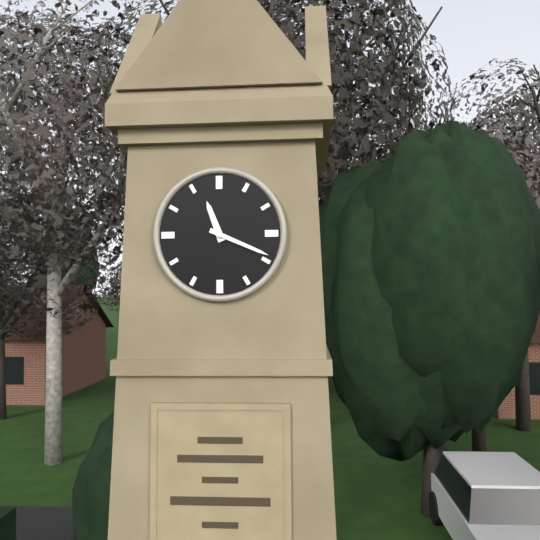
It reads 11 h 19 min
